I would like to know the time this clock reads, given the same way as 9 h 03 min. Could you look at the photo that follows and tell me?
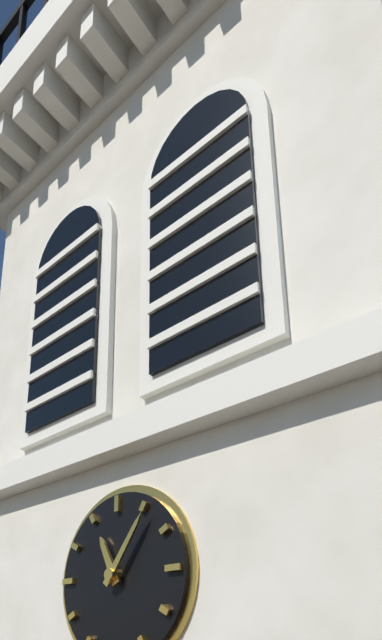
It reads 11 h 06 min
